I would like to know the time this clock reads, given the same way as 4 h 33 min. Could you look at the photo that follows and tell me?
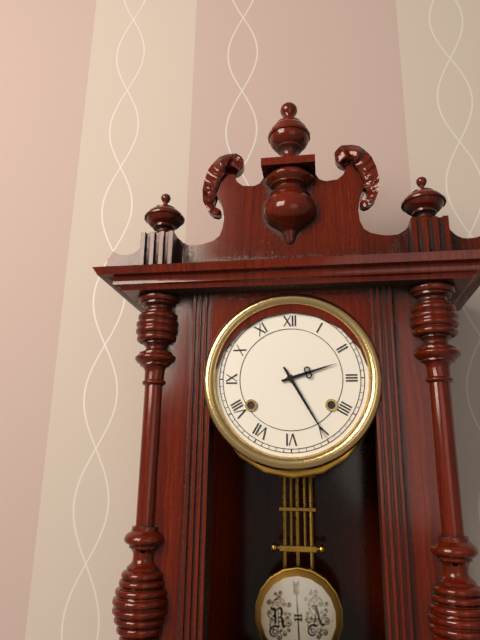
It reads 2 h 25 min
